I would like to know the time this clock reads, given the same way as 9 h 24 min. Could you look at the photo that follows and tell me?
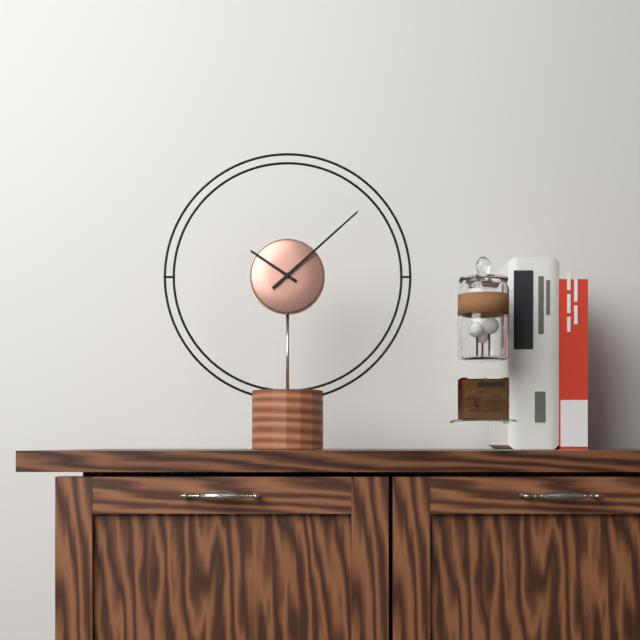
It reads 10 h 08 min
